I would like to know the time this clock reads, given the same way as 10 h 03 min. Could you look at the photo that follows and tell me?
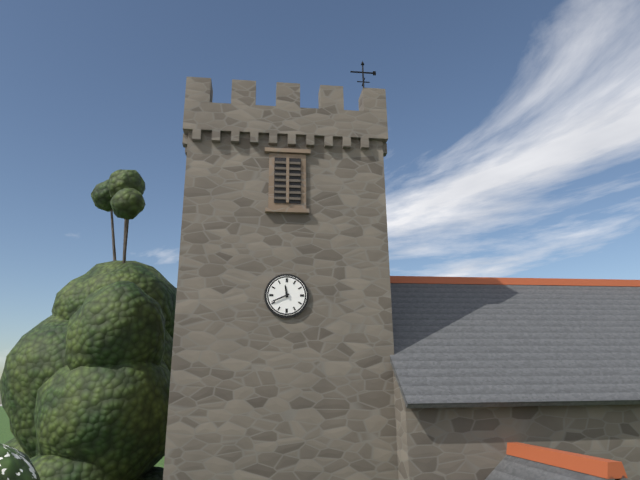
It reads 11 h 41 min
